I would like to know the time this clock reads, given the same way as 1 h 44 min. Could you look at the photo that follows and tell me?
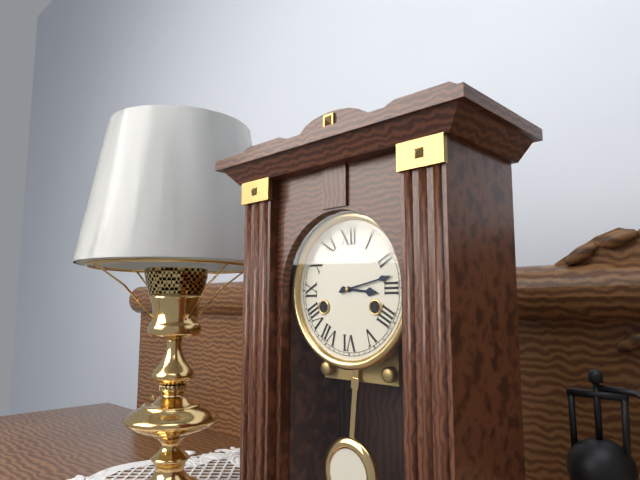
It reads 3 h 13 min
